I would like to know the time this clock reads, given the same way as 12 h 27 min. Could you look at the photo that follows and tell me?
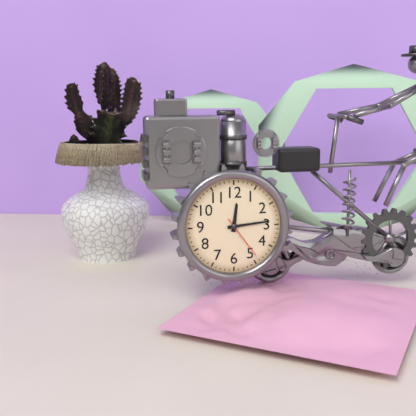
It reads 12 h 14 min
